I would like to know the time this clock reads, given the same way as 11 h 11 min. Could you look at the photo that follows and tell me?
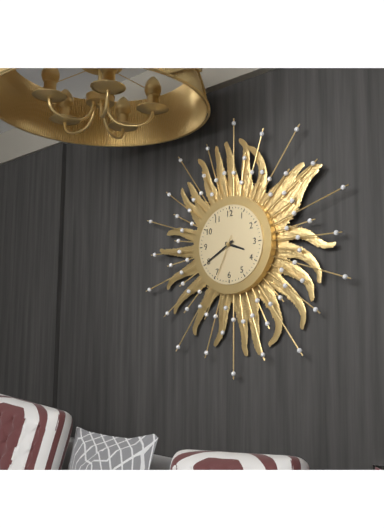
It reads 3 h 40 min
